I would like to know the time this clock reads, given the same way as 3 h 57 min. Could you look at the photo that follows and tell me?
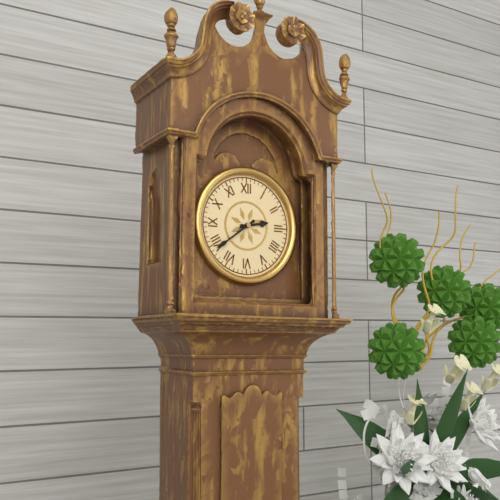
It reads 2 h 39 min
